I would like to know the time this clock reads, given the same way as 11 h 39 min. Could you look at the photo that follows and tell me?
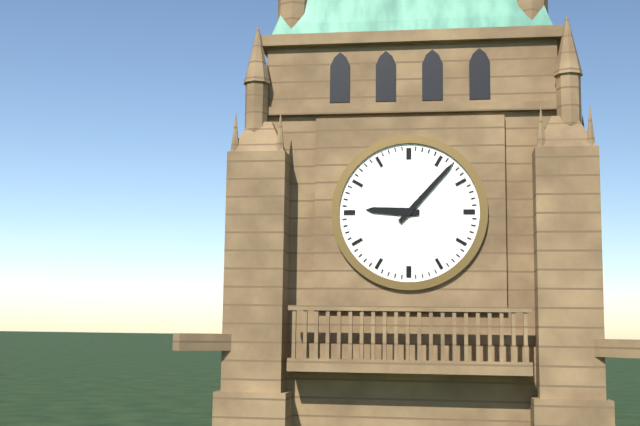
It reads 9 h 07 min
